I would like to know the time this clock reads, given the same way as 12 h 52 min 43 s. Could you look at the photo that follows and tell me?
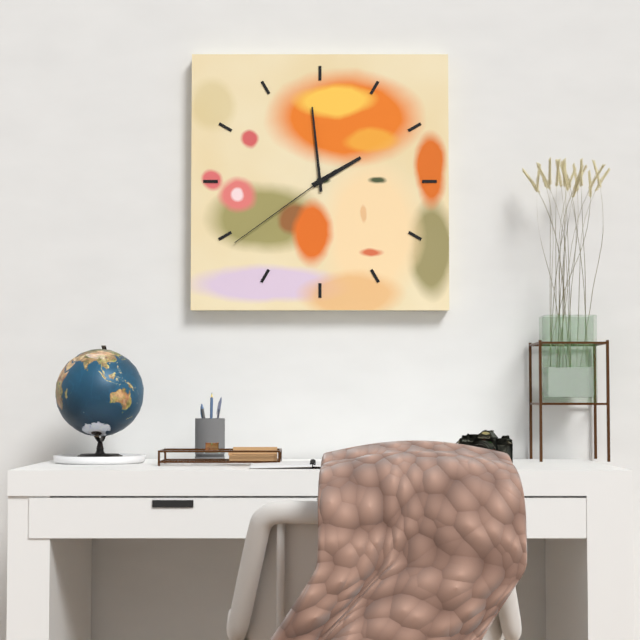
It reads 1 h 59 min 39 s
